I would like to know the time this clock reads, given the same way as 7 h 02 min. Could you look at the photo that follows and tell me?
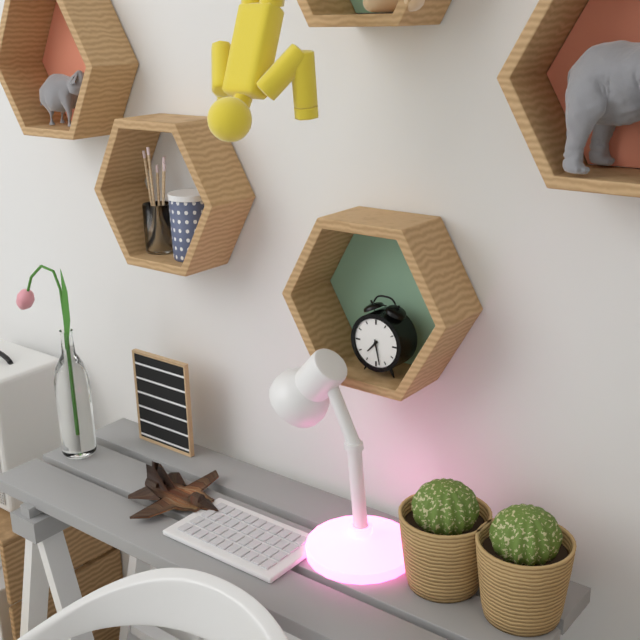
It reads 7 h 28 min
